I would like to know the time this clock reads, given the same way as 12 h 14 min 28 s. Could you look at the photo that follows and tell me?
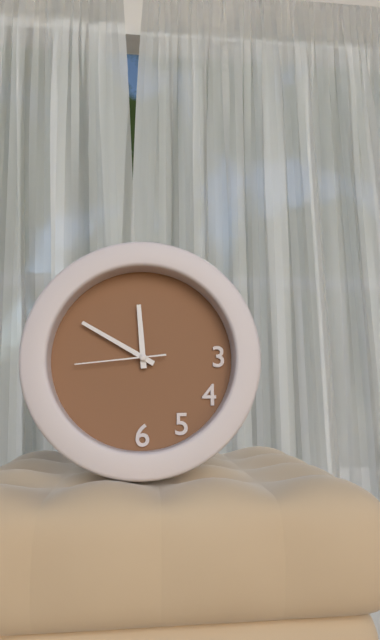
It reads 11 h 50 min 44 s
